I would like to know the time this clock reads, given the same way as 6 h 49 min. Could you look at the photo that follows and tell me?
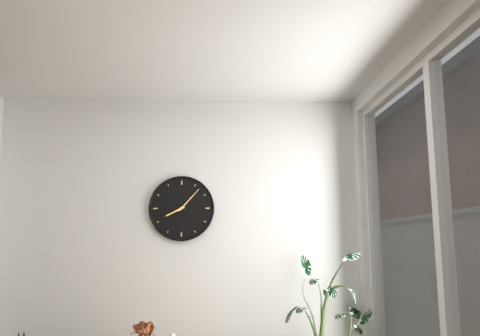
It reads 8 h 07 min
